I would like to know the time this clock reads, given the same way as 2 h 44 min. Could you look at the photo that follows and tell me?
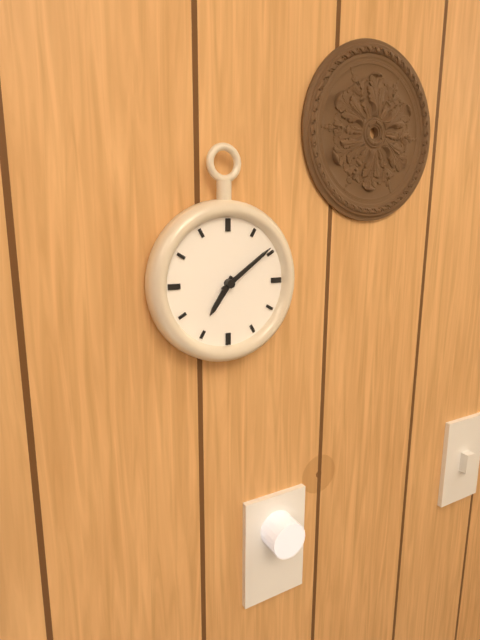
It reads 7 h 09 min
